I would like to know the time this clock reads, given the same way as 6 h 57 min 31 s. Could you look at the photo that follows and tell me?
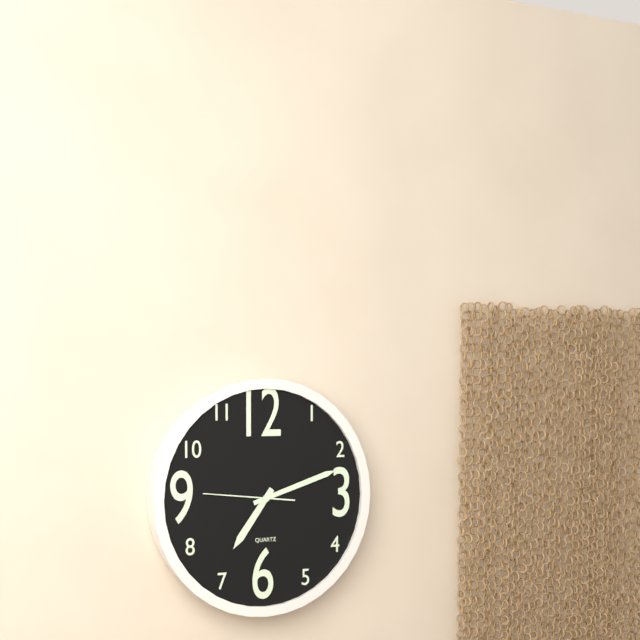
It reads 7 h 12 min 46 s
